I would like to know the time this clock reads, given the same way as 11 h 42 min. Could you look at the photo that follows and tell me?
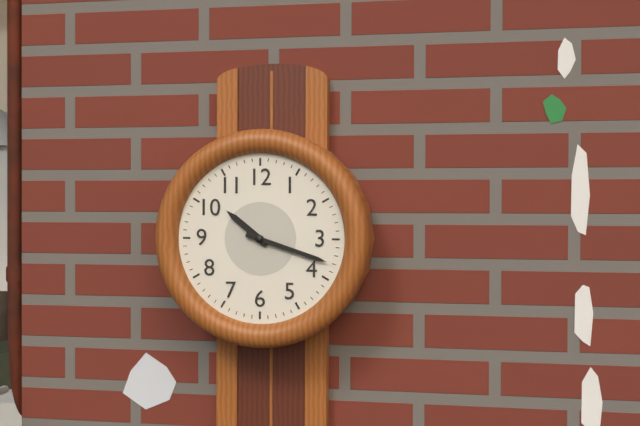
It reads 10 h 18 min
